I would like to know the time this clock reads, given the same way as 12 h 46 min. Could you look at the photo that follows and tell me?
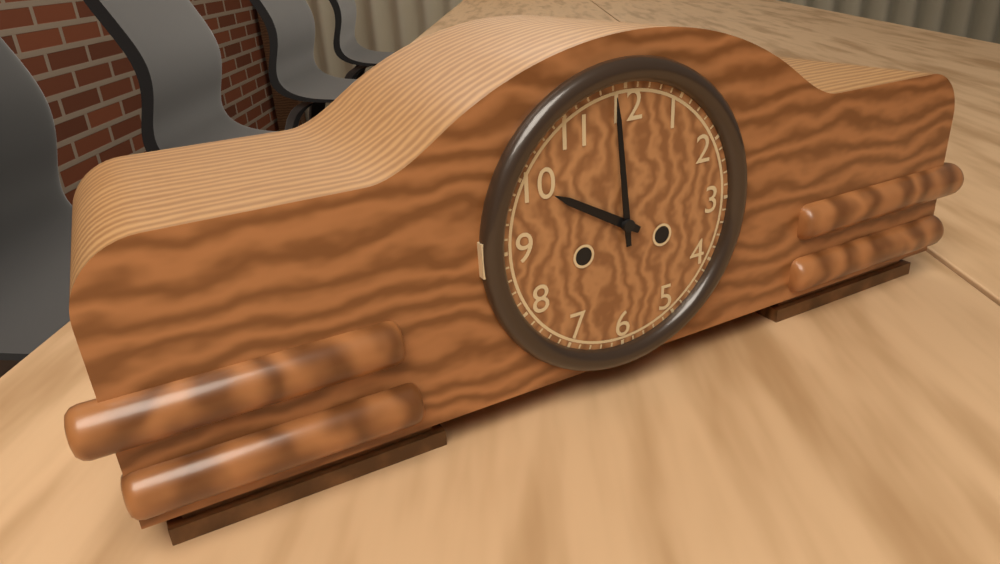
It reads 9 h 59 min
